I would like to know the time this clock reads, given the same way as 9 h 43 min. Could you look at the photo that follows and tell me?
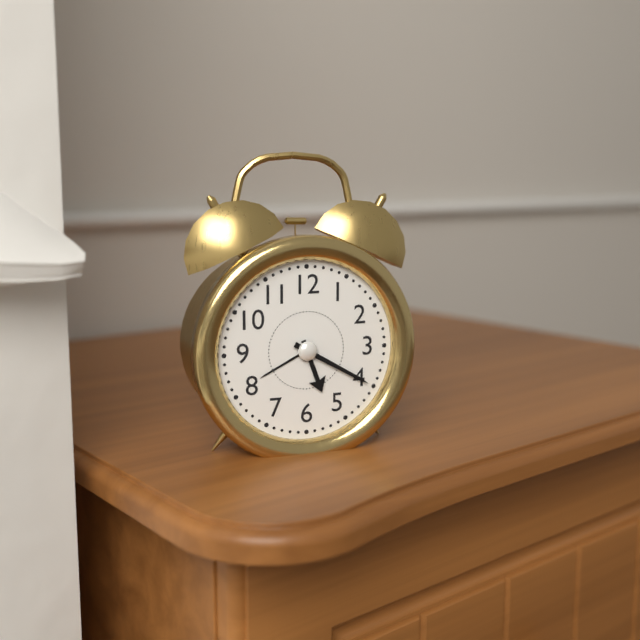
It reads 5 h 20 min
